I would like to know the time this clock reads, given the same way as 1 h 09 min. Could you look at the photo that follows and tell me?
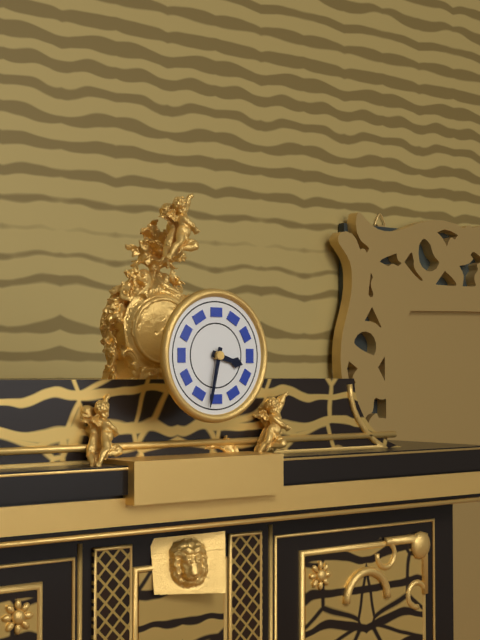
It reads 3 h 32 min
